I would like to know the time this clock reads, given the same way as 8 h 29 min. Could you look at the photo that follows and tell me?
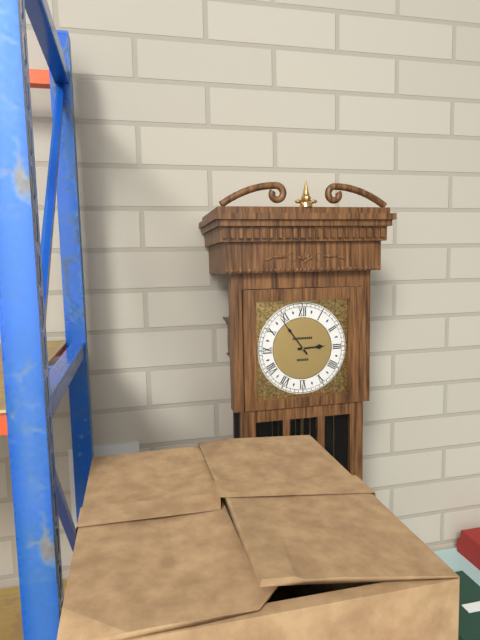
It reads 2 h 54 min
